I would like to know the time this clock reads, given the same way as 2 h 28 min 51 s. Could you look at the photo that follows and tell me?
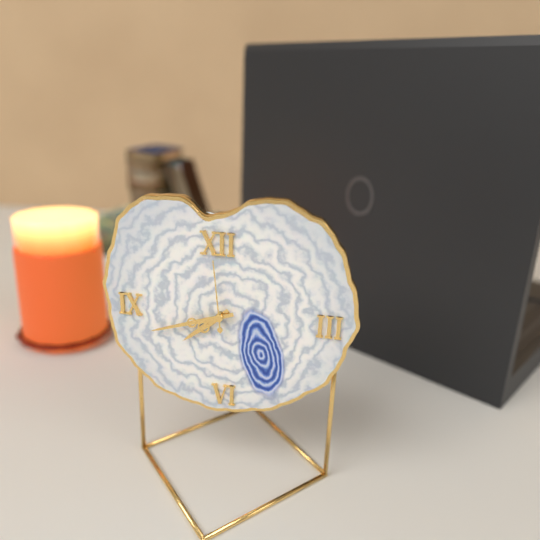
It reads 7 h 42 min 59 s
